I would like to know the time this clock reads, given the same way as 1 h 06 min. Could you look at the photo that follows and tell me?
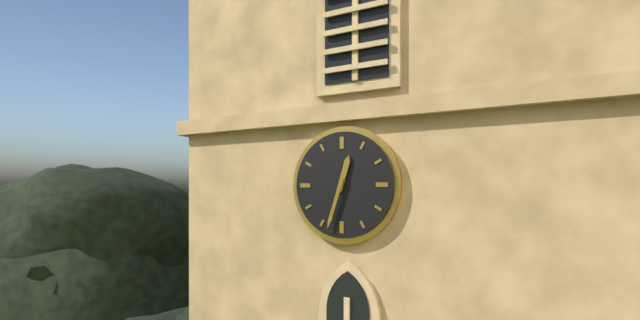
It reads 12 h 33 min
